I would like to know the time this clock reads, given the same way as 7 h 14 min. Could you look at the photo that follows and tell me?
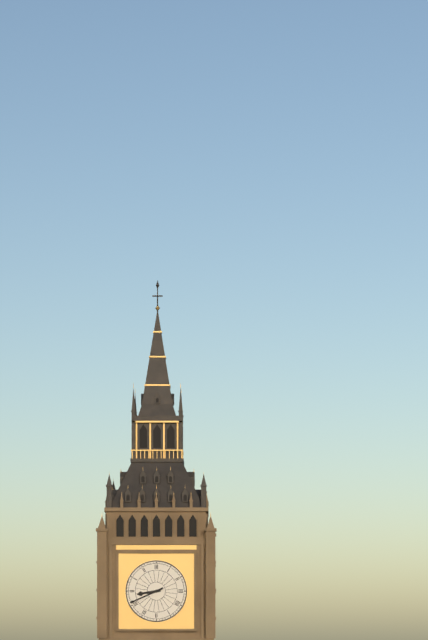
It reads 8 h 41 min
